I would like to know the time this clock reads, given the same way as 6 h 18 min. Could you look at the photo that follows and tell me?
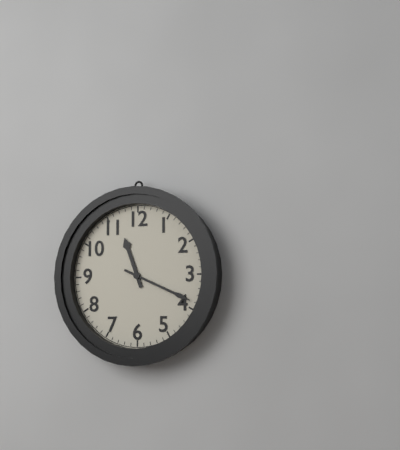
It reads 11 h 19 min
